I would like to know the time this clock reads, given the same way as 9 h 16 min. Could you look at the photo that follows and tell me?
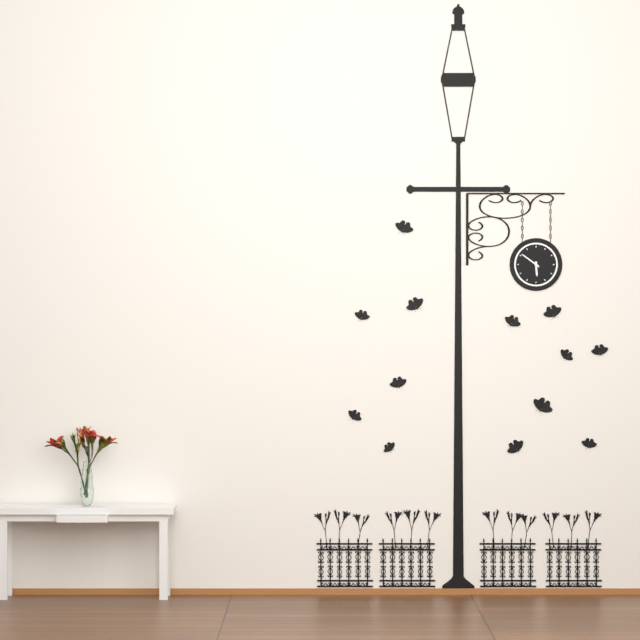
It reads 5 h 51 min
